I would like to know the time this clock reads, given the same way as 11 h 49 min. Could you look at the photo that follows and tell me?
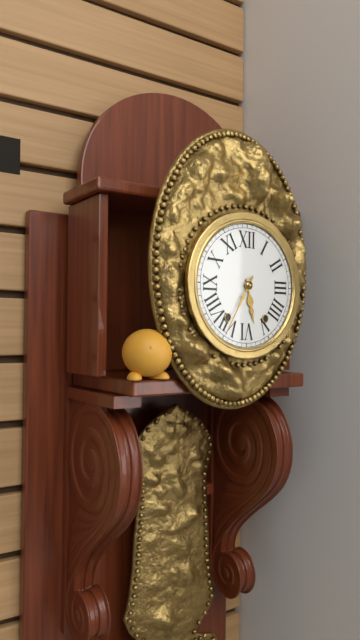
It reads 5 h 35 min
